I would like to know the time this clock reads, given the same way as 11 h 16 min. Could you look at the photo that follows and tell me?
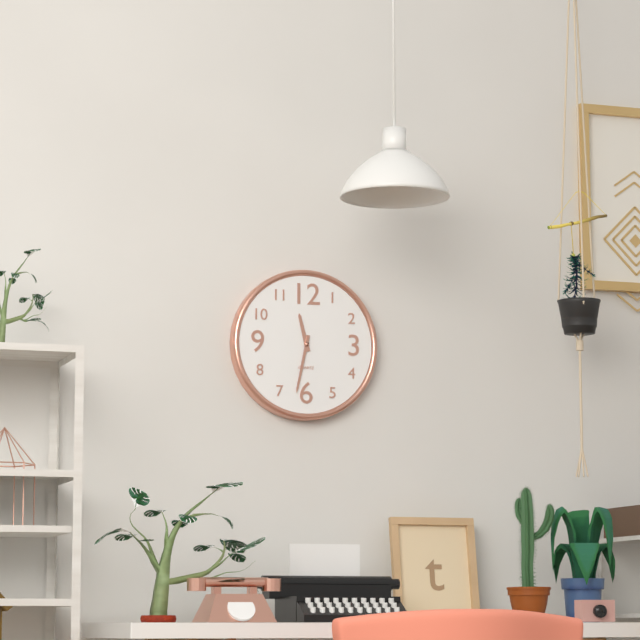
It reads 11 h 32 min
